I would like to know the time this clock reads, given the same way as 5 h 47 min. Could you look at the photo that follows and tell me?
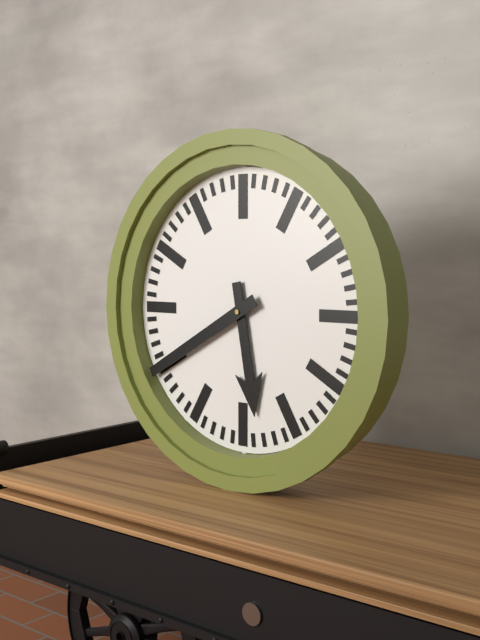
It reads 5 h 40 min
